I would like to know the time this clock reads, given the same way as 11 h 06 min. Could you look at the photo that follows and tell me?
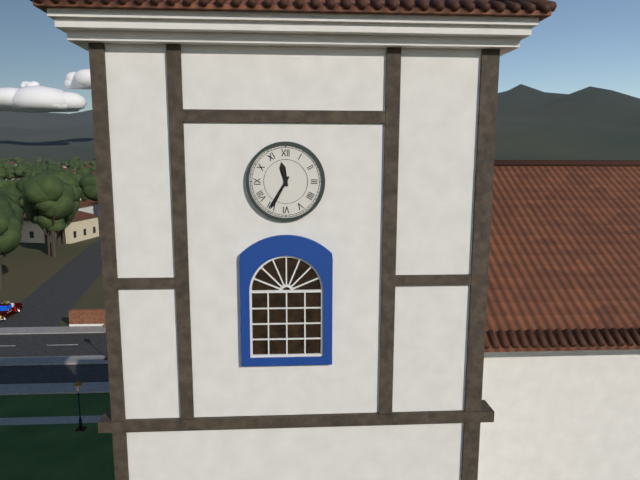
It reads 11 h 35 min
